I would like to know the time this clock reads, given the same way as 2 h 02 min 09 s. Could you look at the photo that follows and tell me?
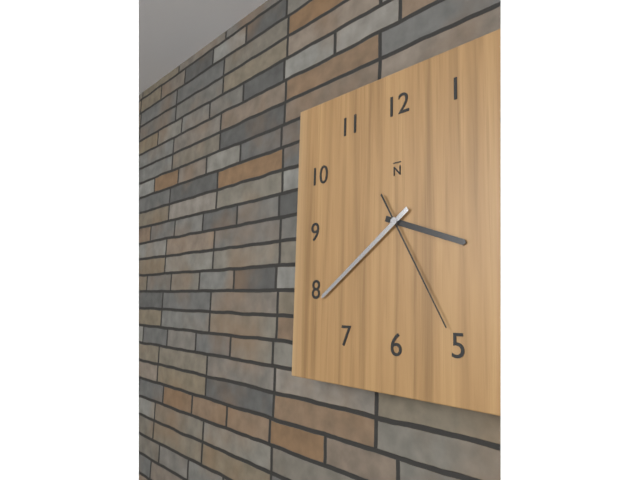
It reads 3 h 39 min 25 s
